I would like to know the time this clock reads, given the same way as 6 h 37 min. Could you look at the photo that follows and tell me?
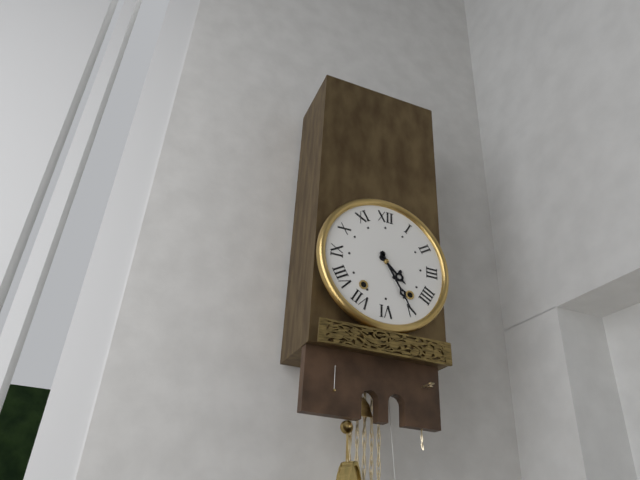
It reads 4 h 25 min
